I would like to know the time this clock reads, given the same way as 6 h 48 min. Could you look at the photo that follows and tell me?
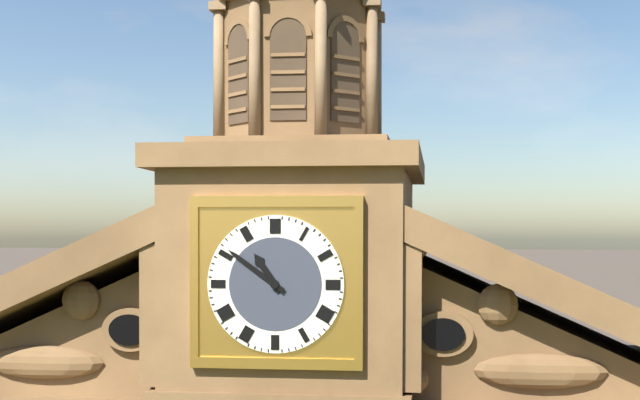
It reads 10 h 51 min
